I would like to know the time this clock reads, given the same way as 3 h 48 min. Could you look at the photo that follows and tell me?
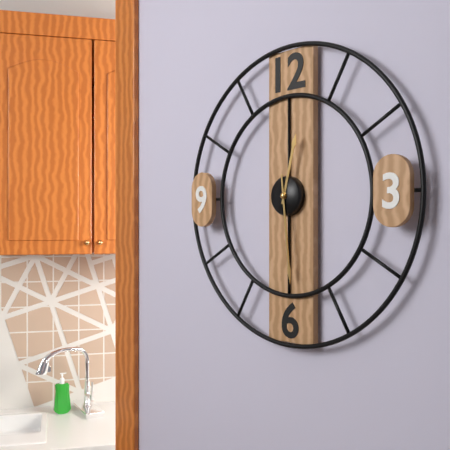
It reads 12 h 29 min
